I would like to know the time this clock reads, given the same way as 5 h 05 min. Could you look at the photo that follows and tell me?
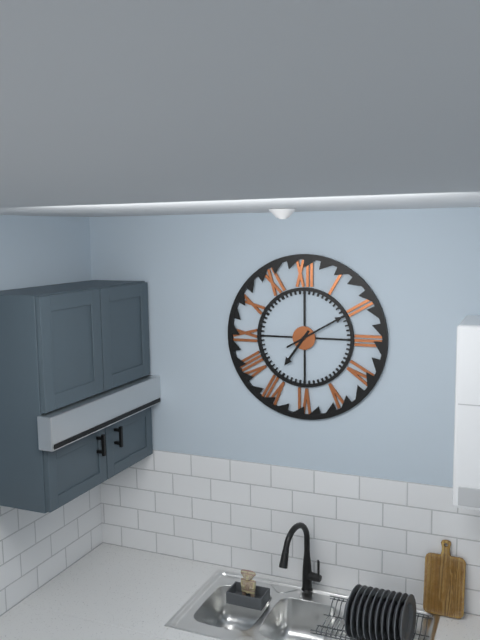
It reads 7 h 10 min
